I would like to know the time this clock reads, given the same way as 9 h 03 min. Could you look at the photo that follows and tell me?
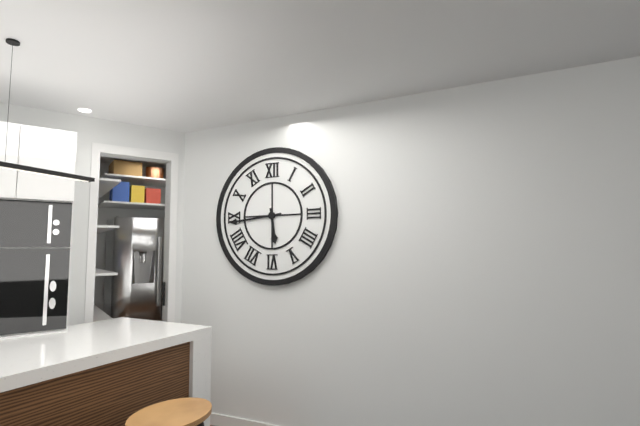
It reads 5 h 44 min
